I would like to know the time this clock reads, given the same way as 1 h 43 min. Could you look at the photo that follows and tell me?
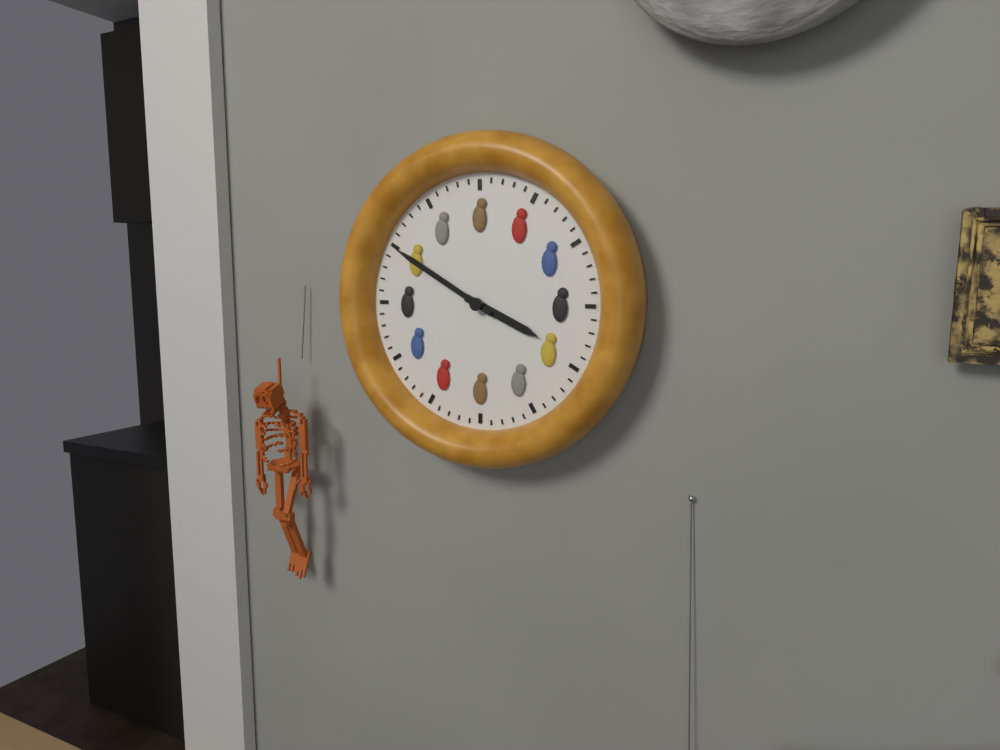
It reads 3 h 50 min
